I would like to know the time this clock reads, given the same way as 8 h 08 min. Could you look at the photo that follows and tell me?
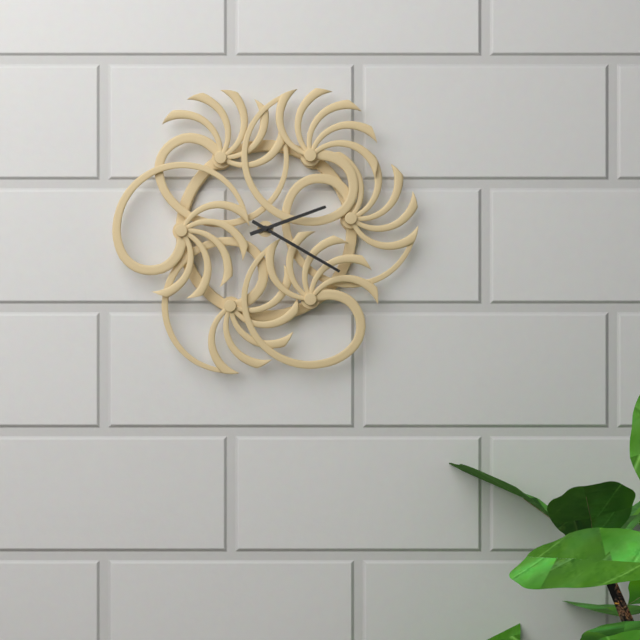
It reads 2 h 20 min
